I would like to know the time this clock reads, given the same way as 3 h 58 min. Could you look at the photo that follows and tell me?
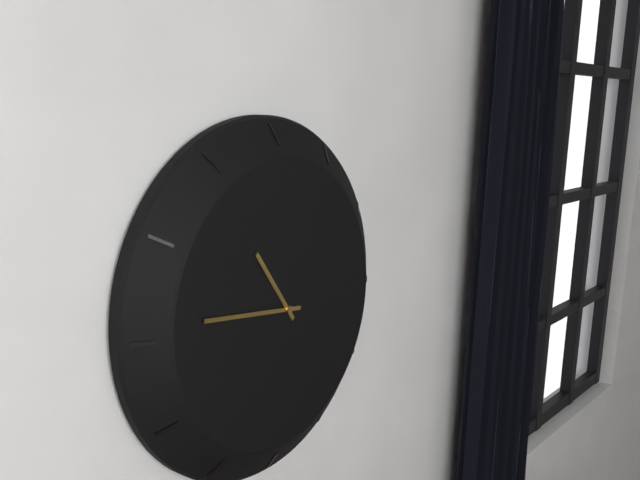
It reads 10 h 46 min
